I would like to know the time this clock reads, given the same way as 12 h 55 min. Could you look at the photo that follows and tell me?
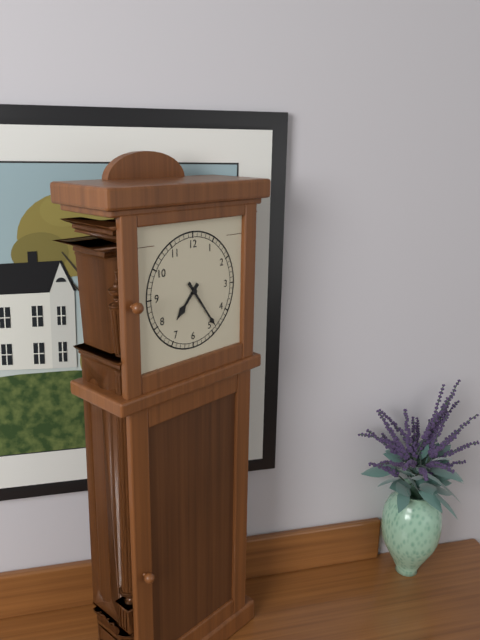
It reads 7 h 24 min
